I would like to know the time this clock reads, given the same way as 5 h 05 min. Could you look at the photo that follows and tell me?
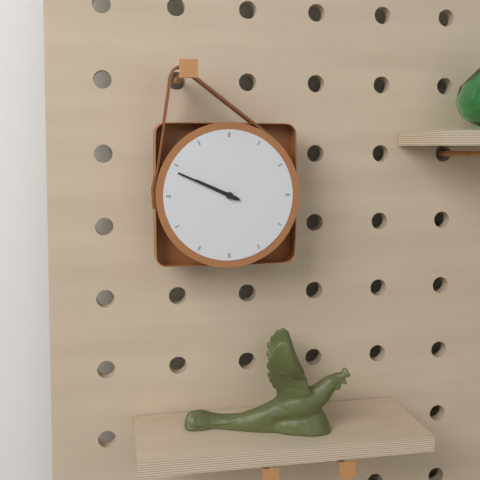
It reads 9 h 49 min
